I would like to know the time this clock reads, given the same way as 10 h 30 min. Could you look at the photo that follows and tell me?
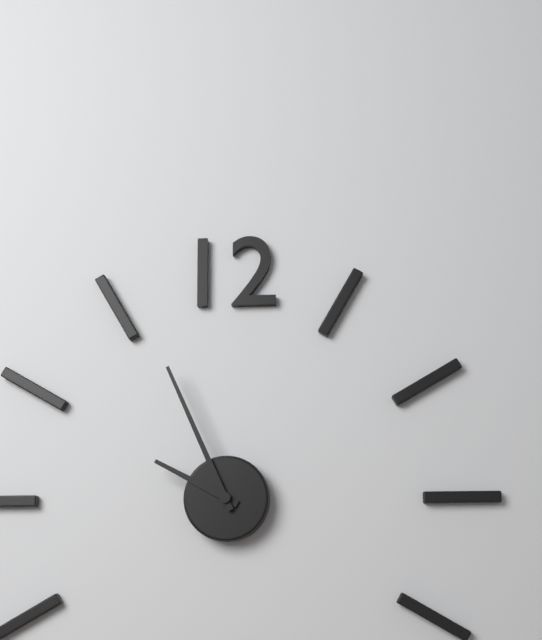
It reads 9 h 56 min
